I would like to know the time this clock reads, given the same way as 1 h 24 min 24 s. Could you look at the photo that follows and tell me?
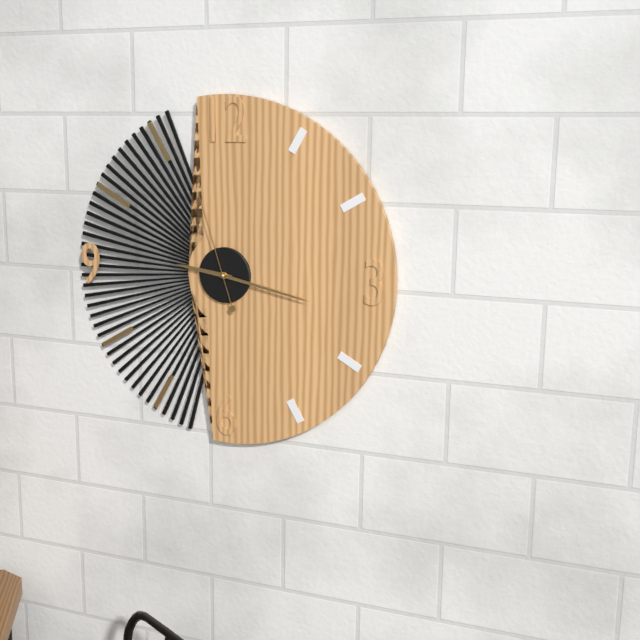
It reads 9 h 17 min 57 s
